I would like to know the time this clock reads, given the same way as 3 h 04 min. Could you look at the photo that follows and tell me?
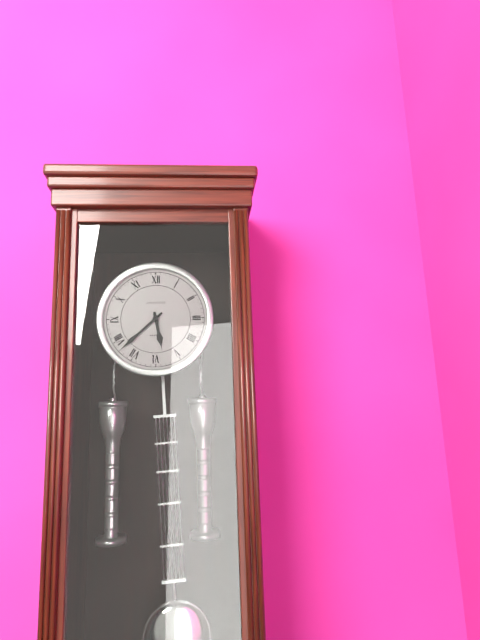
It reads 5 h 38 min
